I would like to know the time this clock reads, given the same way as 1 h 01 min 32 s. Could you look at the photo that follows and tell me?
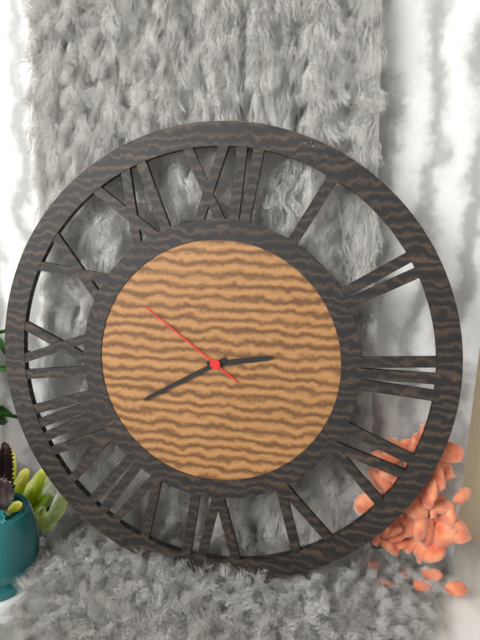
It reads 2 h 40 min 51 s
